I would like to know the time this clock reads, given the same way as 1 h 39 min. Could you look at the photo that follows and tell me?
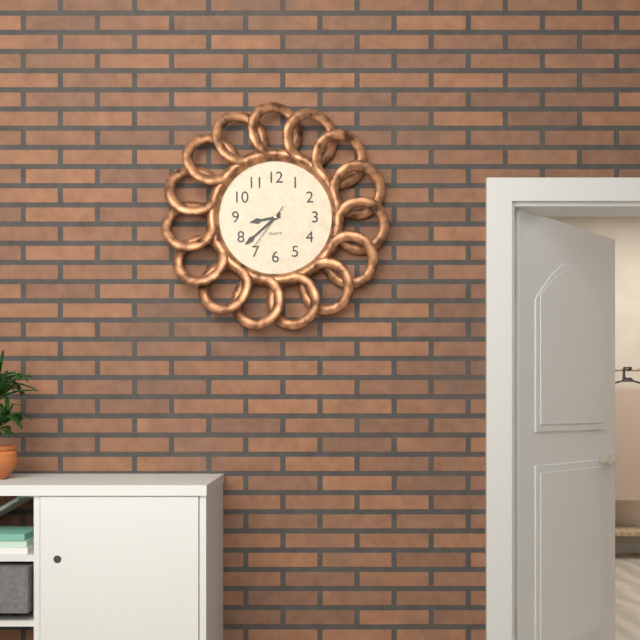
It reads 8 h 38 min
